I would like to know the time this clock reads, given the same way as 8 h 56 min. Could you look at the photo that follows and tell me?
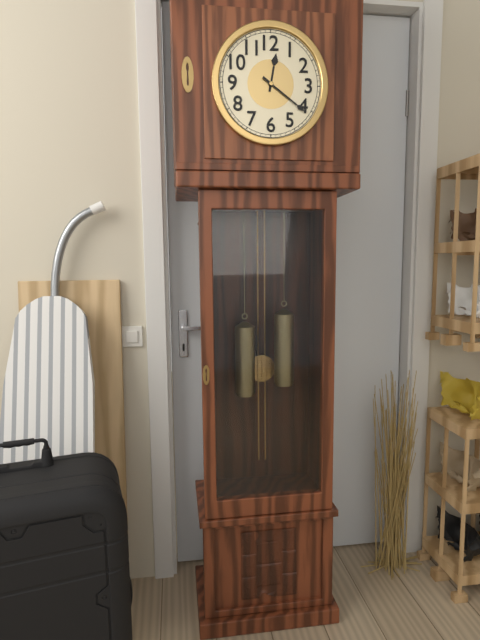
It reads 12 h 21 min
